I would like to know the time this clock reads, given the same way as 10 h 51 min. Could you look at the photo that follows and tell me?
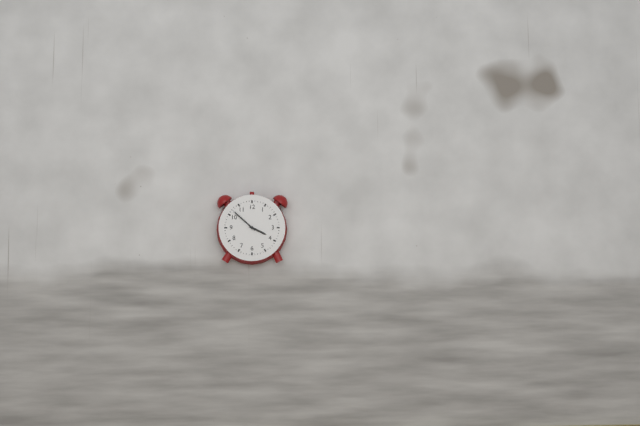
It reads 3 h 52 min
